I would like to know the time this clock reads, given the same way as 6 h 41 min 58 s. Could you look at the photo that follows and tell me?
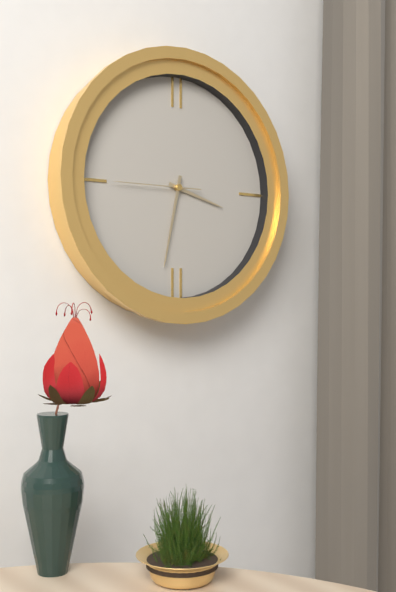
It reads 3 h 32 min 45 s
